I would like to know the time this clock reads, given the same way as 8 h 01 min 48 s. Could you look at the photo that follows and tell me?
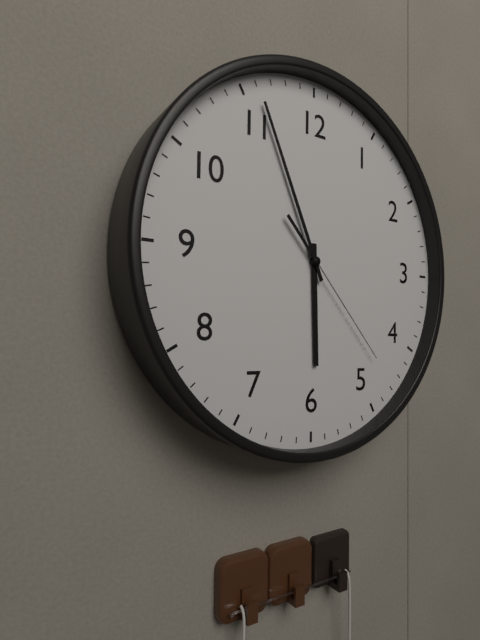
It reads 5 h 56 min 23 s
